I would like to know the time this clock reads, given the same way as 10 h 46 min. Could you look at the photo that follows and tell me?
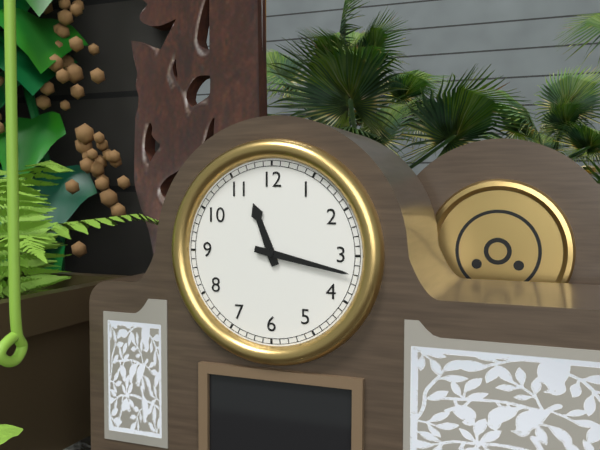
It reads 11 h 17 min
